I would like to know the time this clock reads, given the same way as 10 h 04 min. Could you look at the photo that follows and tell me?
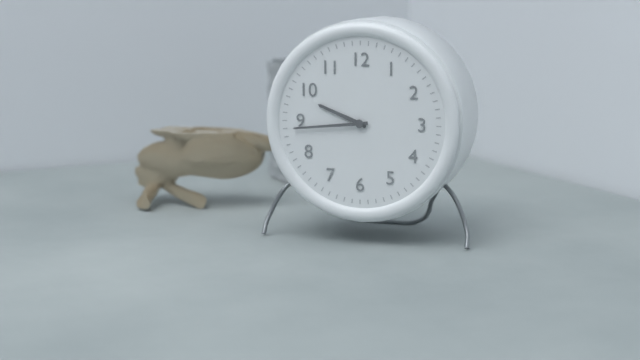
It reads 9 h 44 min
